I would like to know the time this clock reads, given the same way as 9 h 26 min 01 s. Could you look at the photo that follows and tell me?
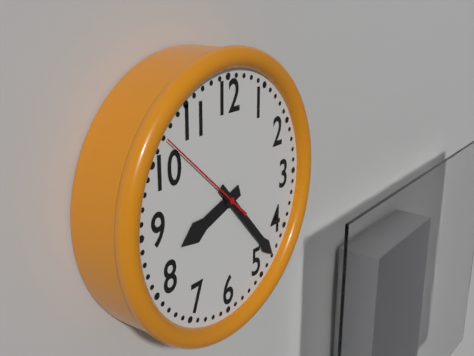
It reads 8 h 23 min 52 s
